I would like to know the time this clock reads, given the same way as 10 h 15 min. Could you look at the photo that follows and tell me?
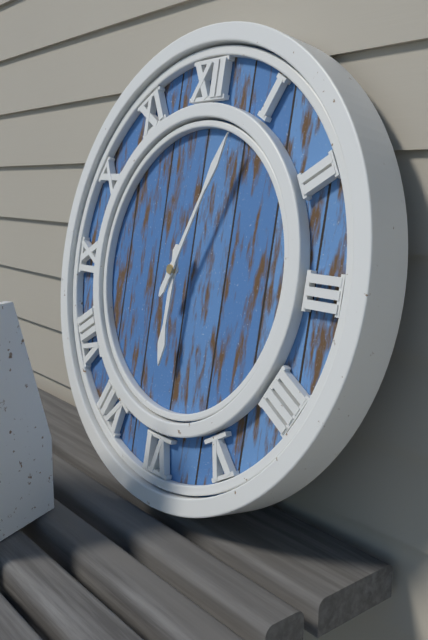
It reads 6 h 04 min
